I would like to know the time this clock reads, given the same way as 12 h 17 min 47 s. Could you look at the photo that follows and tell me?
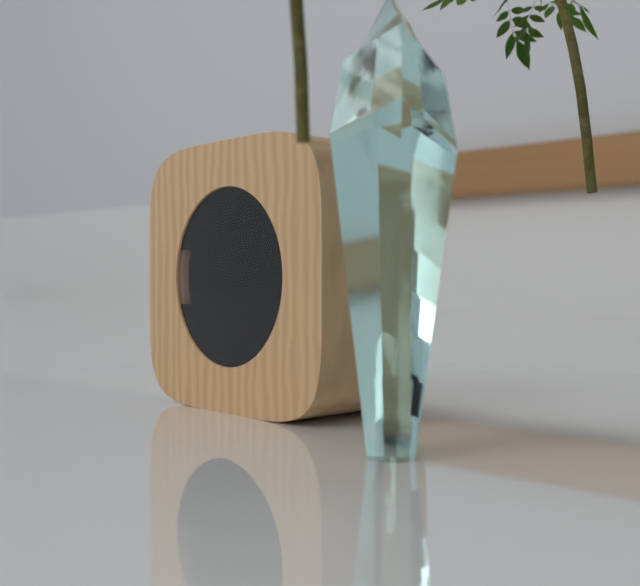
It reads 8 h 57 min 34 s
